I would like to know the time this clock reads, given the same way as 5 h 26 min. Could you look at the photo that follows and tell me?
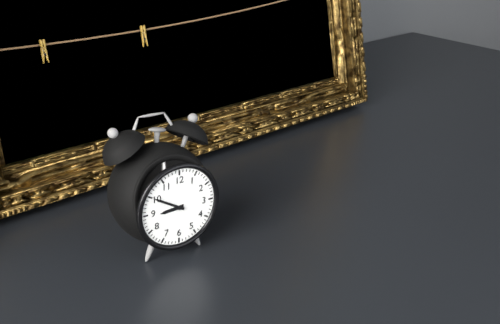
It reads 8 h 50 min
